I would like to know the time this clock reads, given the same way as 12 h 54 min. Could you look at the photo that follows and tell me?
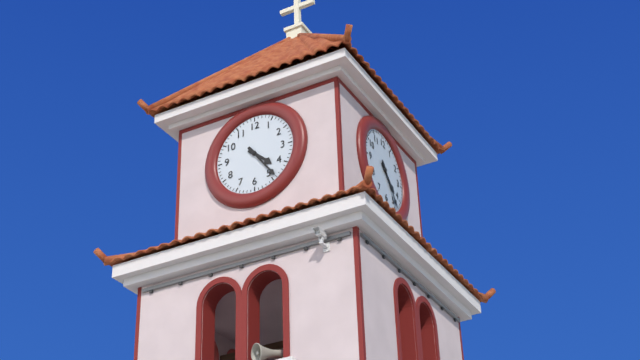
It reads 4 h 24 min
